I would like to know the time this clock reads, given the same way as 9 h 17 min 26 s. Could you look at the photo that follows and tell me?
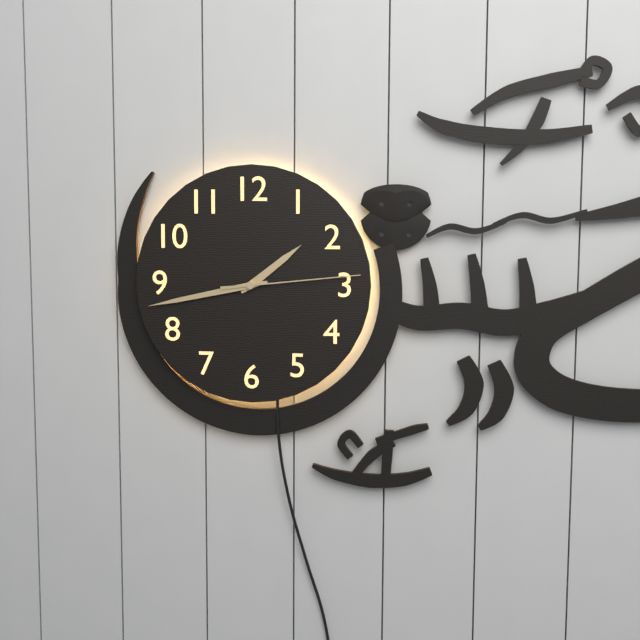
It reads 1 h 43 min 14 s
